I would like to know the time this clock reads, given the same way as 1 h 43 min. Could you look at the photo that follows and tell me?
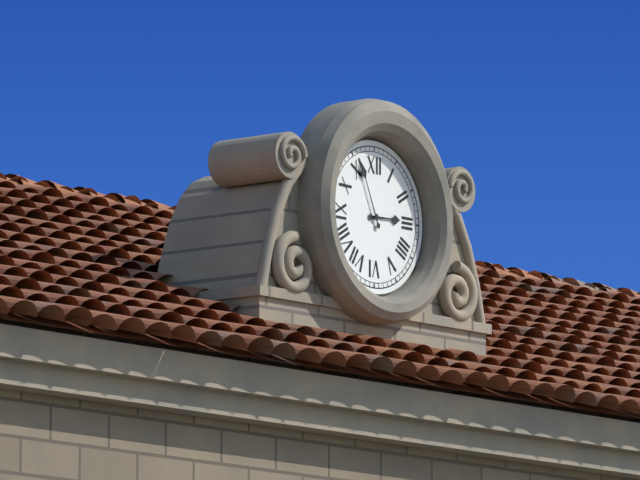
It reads 2 h 56 min
